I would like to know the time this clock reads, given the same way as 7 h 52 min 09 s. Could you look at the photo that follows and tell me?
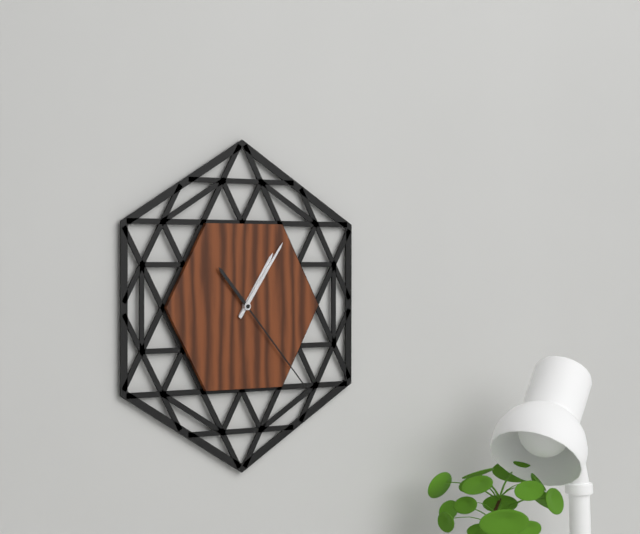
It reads 1 h 06 min 23 s
